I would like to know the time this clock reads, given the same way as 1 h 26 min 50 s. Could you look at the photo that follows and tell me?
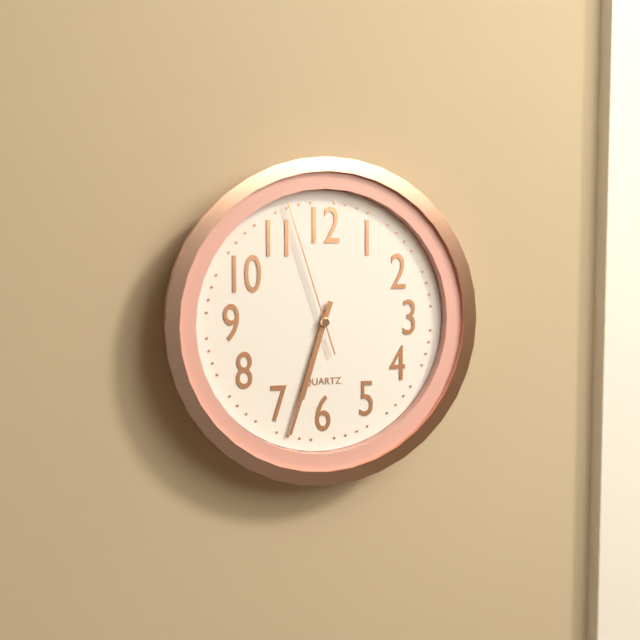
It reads 6 h 33 min 57 s
